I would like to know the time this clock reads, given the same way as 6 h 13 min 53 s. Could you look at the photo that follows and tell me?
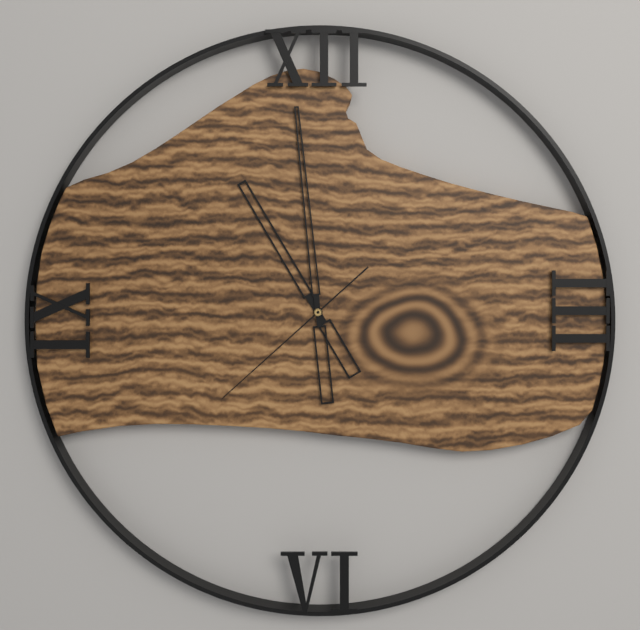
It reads 10 h 59 min 38 s
